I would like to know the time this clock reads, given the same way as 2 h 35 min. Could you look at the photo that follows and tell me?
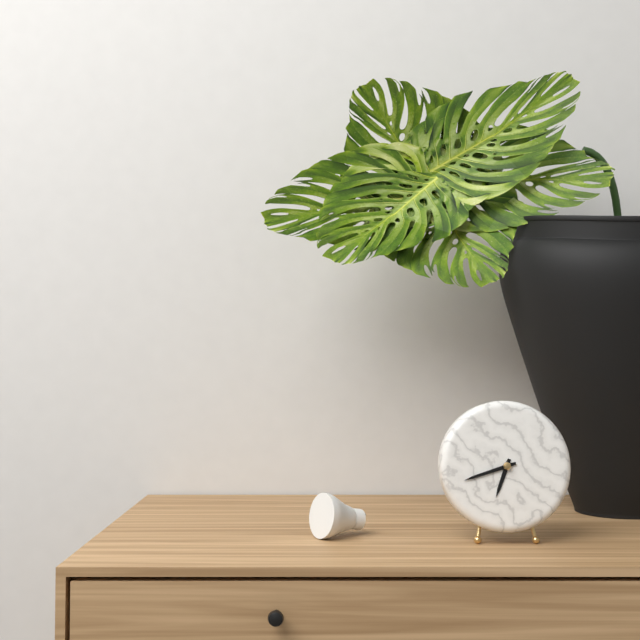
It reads 6 h 42 min
